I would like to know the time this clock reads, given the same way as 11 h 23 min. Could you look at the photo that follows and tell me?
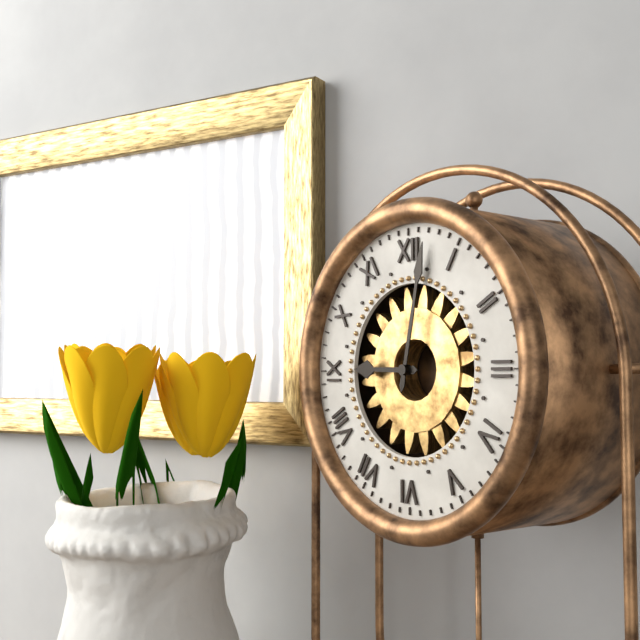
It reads 9 h 02 min
